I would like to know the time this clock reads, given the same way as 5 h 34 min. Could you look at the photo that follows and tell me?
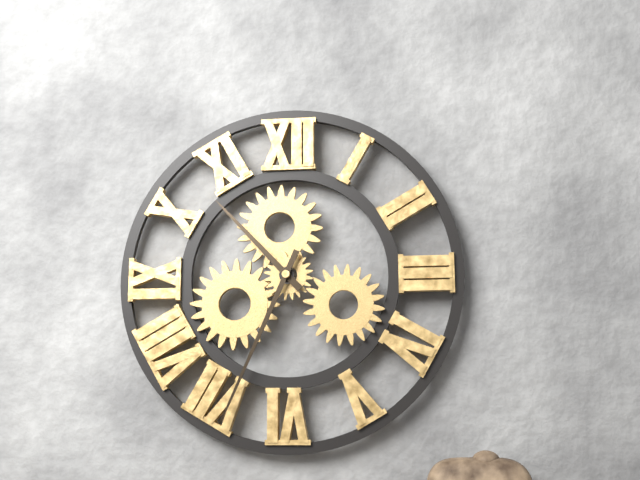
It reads 10 h 34 min
